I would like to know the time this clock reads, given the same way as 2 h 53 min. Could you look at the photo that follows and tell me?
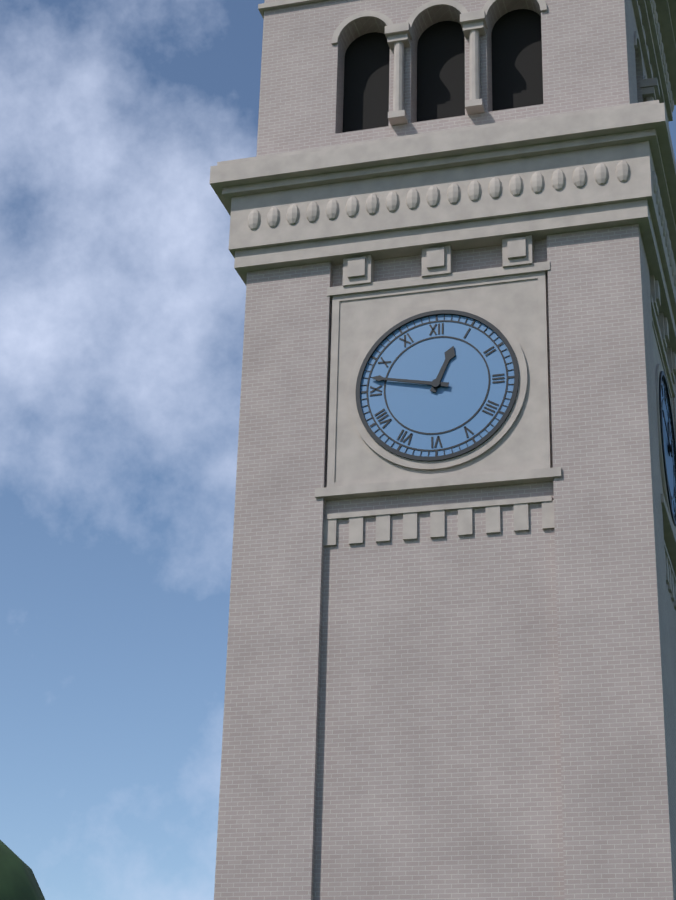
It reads 12 h 47 min
